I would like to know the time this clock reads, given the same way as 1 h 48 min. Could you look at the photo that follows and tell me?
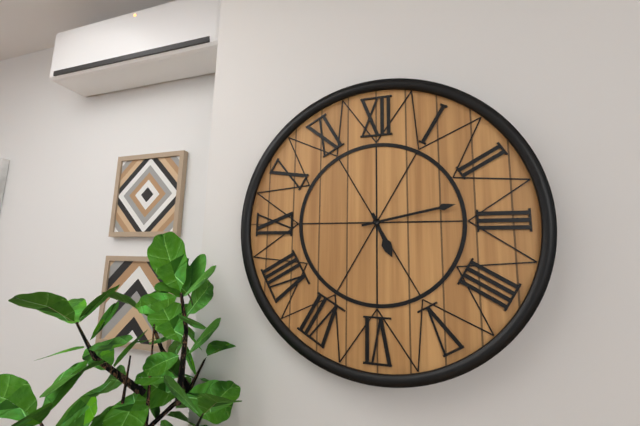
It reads 5 h 13 min
